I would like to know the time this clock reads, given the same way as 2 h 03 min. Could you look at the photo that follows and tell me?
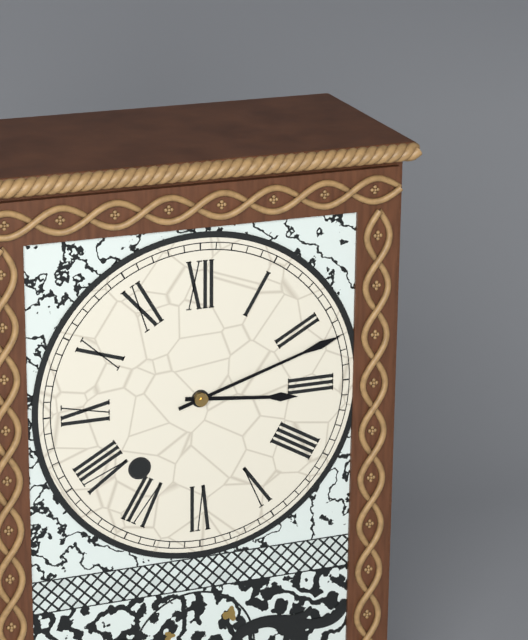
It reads 3 h 12 min
